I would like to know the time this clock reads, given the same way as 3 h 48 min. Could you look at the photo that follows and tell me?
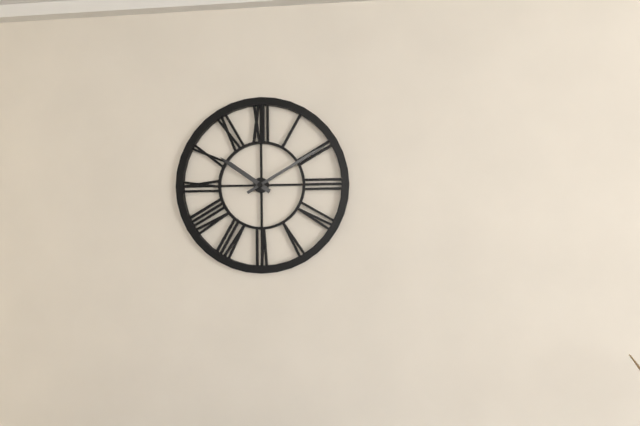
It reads 10 h 10 min
